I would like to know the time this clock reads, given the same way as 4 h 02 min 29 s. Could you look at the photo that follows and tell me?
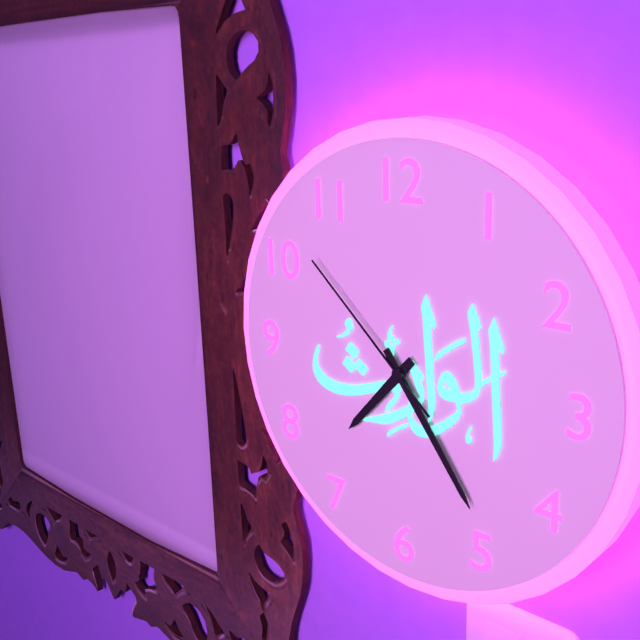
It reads 7 h 24 min 52 s
